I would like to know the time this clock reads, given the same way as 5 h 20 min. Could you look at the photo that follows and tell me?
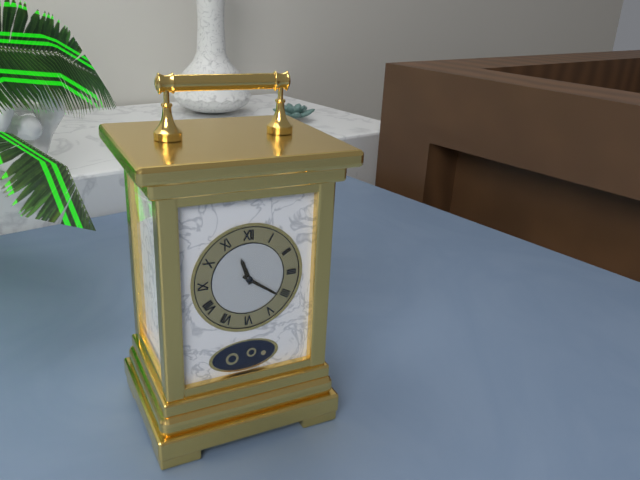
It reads 11 h 21 min
